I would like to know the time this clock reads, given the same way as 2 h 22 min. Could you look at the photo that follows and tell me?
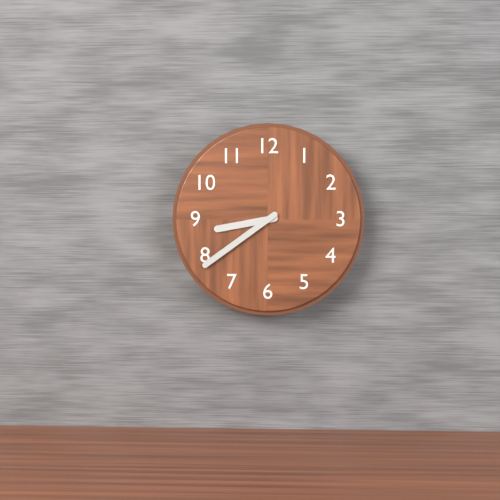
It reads 8 h 39 min
